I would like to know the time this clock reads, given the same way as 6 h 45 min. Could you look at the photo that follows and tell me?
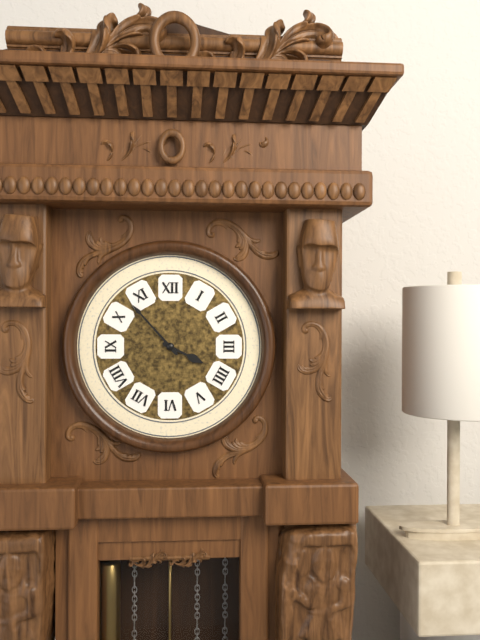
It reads 3 h 53 min
